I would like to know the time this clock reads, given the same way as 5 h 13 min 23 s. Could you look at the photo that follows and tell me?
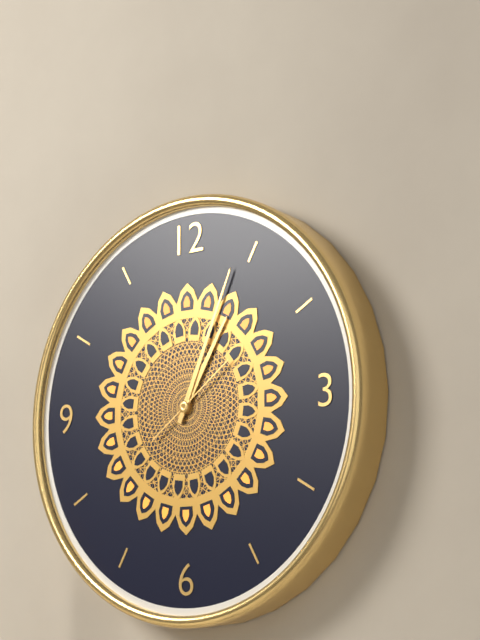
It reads 1 h 04 min 09 s
